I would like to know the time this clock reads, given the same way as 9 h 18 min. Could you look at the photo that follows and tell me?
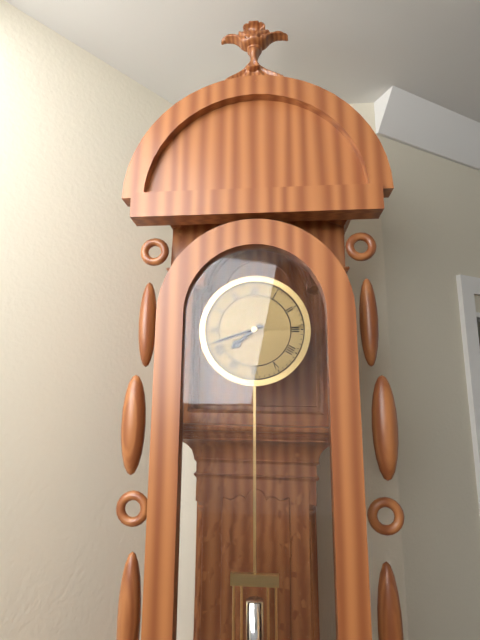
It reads 7 h 42 min
